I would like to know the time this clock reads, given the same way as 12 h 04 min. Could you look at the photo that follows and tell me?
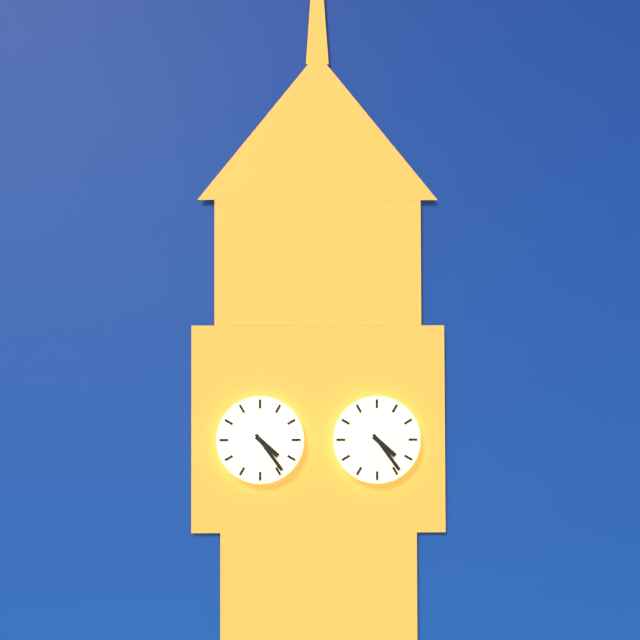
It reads 4 h 24 min
